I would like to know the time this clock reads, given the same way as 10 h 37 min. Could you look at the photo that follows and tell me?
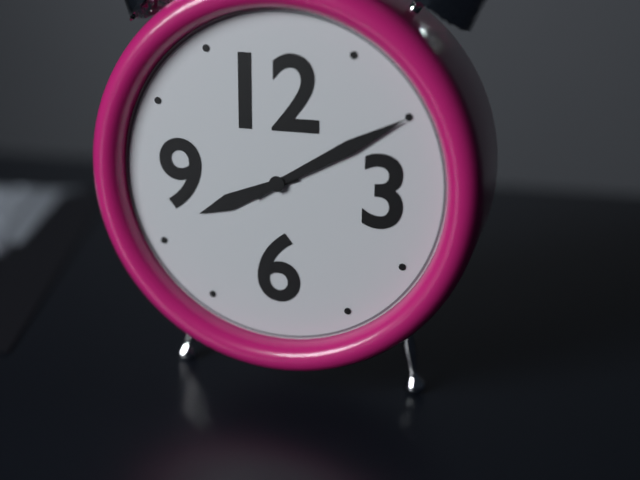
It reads 8 h 10 min
